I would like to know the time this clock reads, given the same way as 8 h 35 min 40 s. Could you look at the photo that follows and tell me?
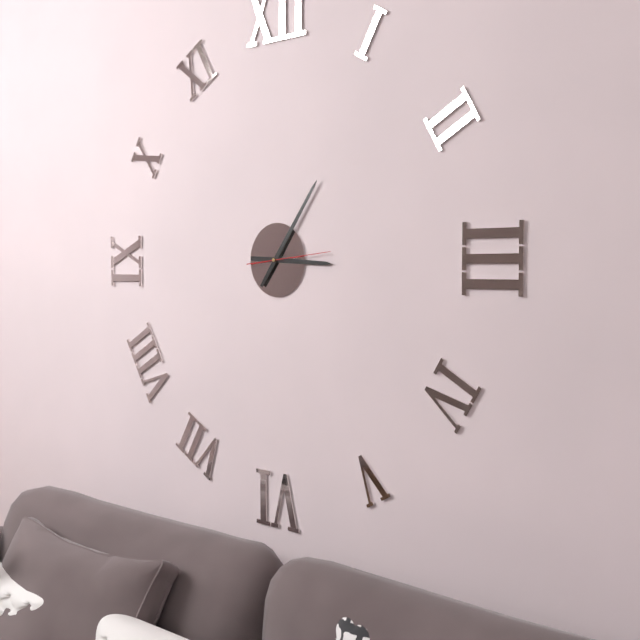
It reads 3 h 06 min 14 s
